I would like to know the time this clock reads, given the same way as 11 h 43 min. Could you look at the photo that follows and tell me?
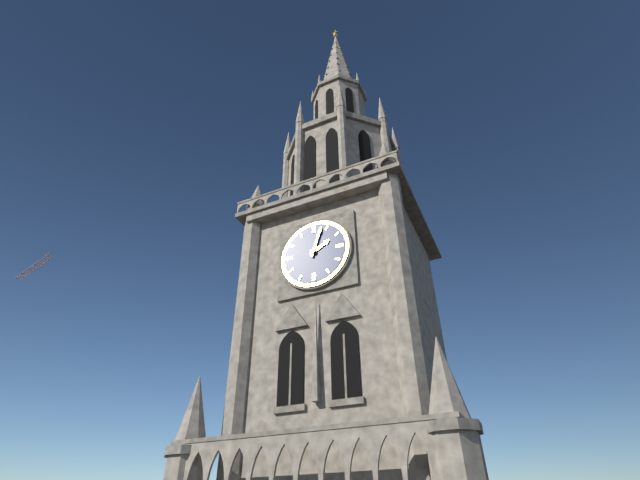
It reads 2 h 03 min
